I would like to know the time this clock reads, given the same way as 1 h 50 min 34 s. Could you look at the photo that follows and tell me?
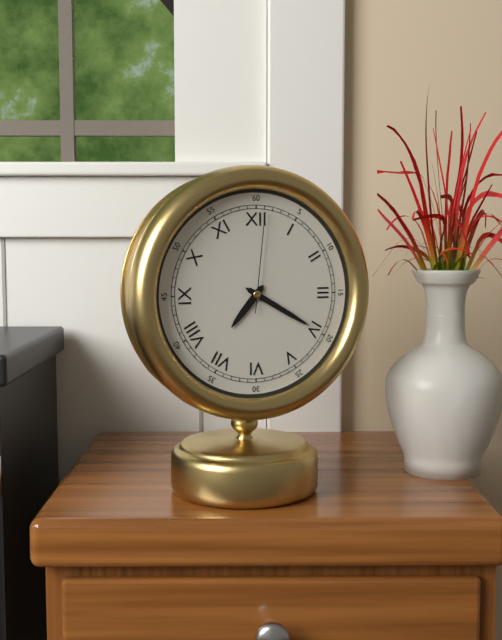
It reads 7 h 20 min 01 s
